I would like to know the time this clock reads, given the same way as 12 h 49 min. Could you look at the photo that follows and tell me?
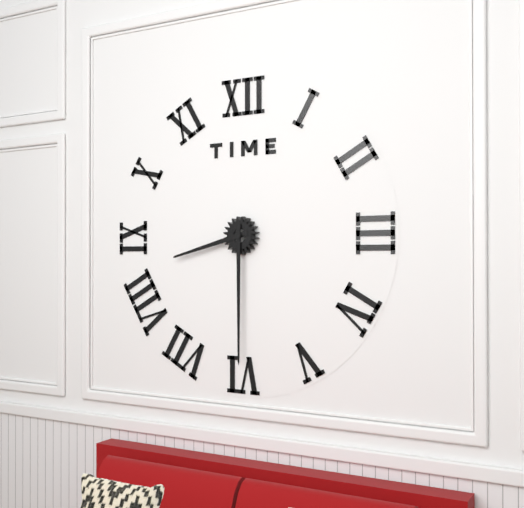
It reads 8 h 30 min
